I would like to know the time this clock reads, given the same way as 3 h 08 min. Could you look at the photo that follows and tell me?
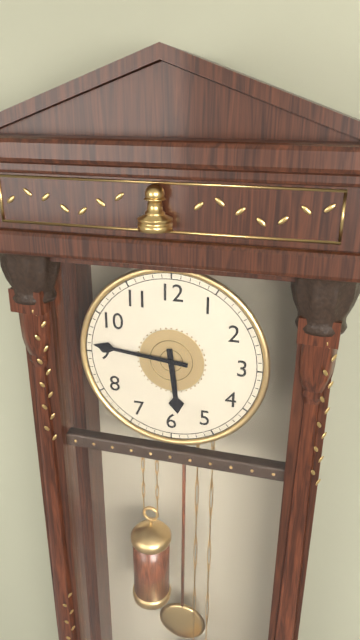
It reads 5 h 46 min
